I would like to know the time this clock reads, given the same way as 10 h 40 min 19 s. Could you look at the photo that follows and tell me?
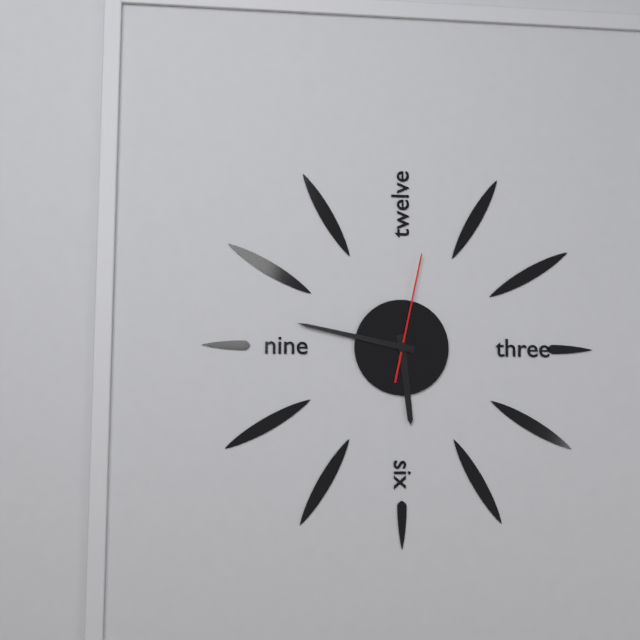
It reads 5 h 47 min 02 s
